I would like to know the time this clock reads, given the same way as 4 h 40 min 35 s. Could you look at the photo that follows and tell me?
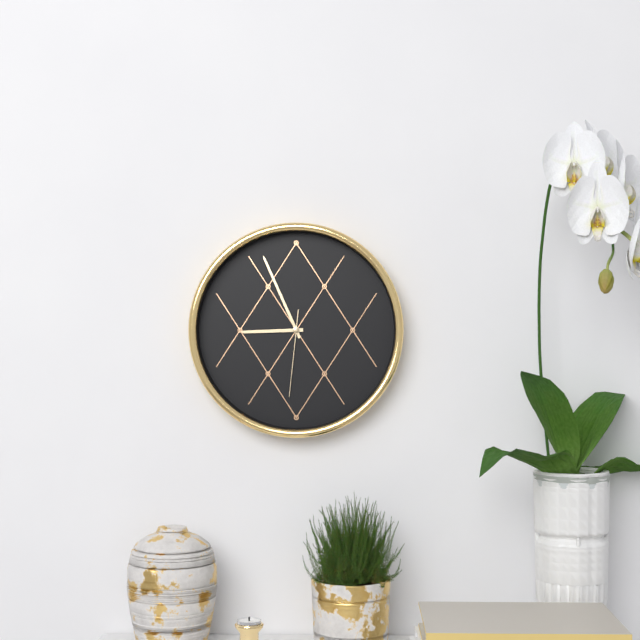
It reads 8 h 56 min 31 s
